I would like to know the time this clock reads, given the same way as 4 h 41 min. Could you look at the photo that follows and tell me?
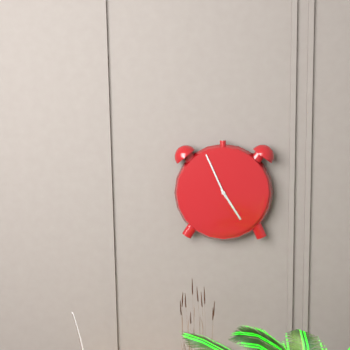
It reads 4 h 56 min
